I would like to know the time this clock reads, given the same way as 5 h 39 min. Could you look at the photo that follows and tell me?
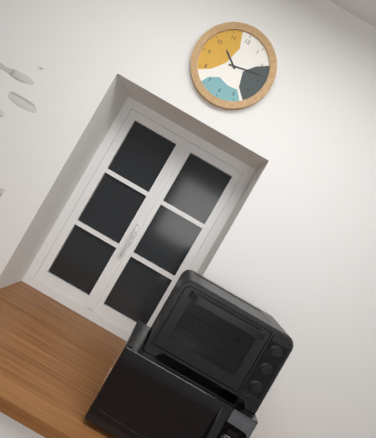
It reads 10 h 13 min
